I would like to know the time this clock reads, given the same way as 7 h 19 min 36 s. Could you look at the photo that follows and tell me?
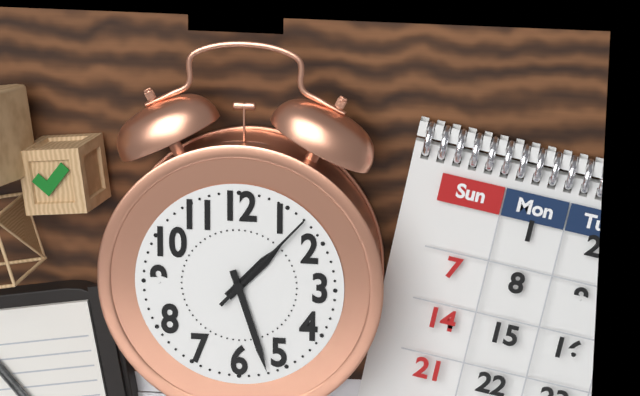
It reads 1 h 27 min 07 s
